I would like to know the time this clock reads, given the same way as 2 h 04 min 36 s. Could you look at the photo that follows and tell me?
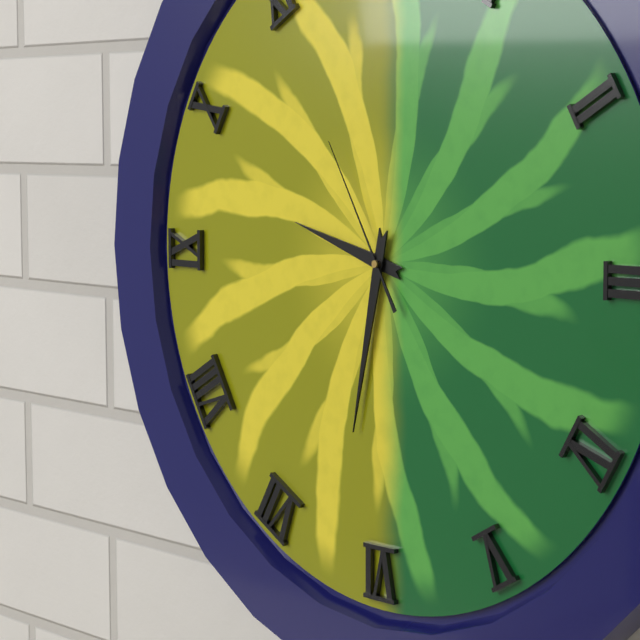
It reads 9 h 32 min 55 s
